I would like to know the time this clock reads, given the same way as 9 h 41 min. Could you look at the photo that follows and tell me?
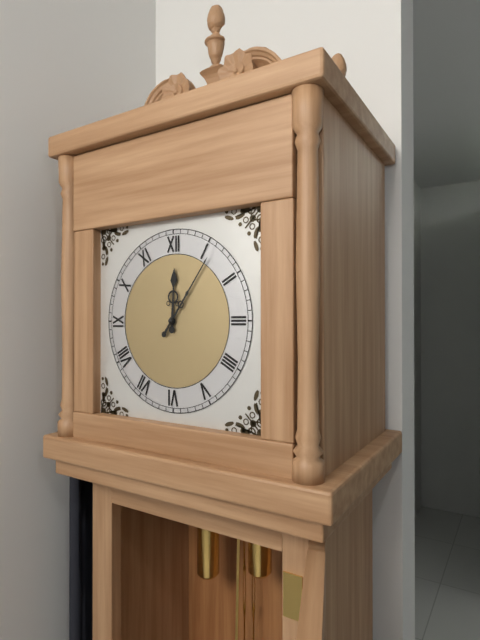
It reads 12 h 06 min
